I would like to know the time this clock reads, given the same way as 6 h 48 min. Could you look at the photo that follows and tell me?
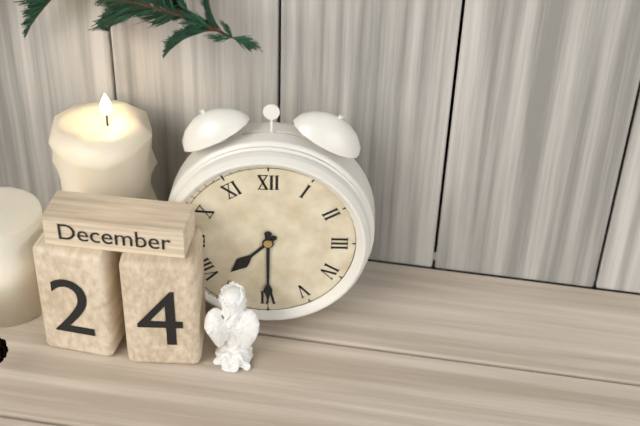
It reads 7 h 30 min
